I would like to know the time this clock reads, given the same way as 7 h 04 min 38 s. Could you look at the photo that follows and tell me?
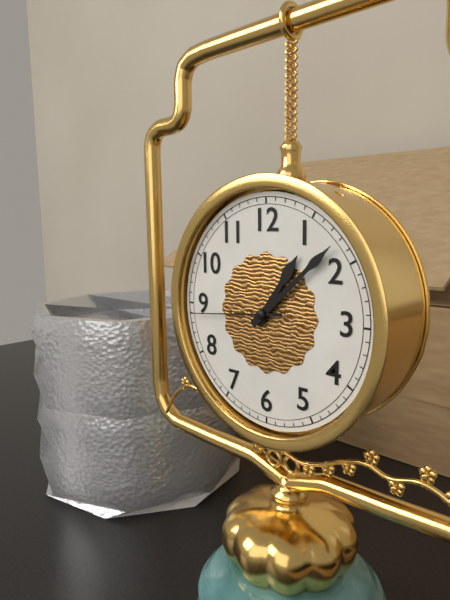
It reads 1 h 08 min 44 s
